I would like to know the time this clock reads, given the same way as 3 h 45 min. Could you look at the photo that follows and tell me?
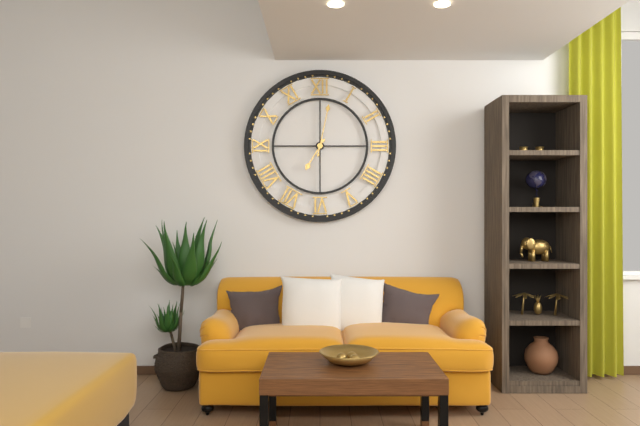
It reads 7 h 02 min
